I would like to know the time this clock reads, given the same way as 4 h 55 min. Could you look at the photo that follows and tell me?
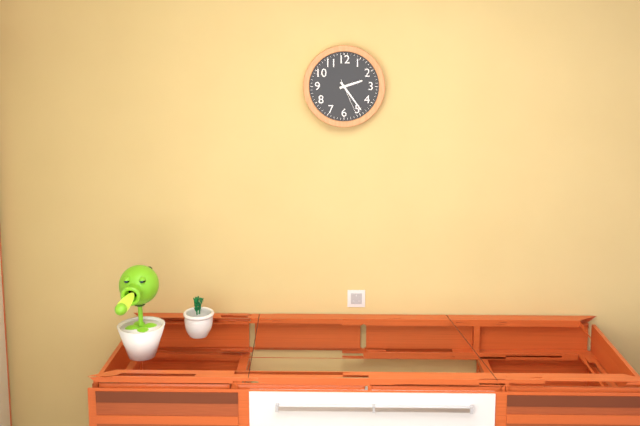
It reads 2 h 24 min
